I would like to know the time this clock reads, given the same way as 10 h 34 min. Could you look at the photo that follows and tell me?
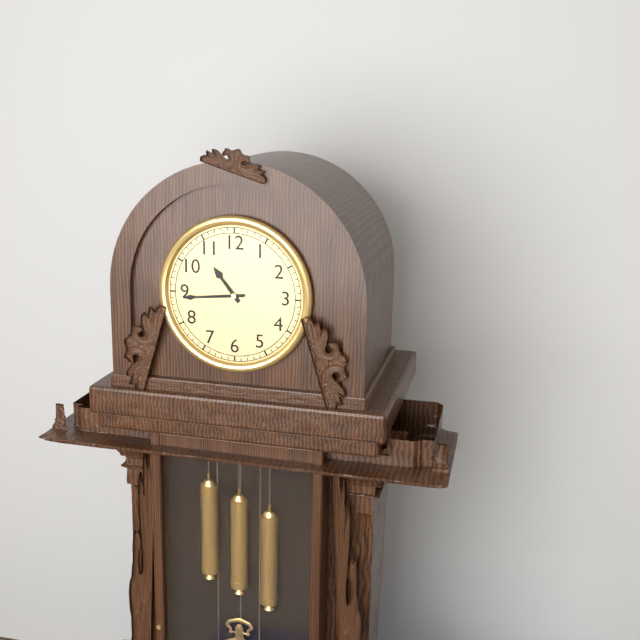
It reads 10 h 44 min
